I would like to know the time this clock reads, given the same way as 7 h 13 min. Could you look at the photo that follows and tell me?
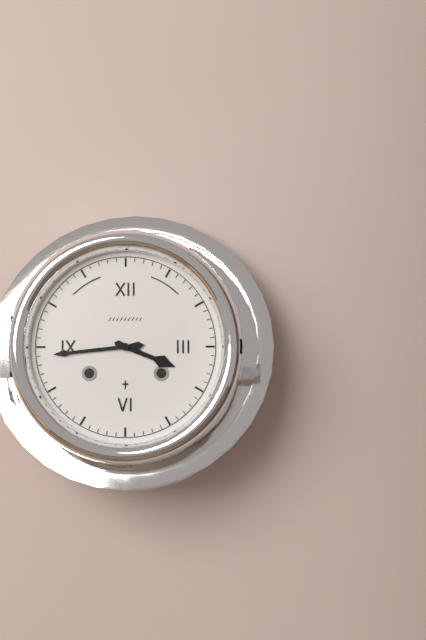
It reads 3 h 44 min
